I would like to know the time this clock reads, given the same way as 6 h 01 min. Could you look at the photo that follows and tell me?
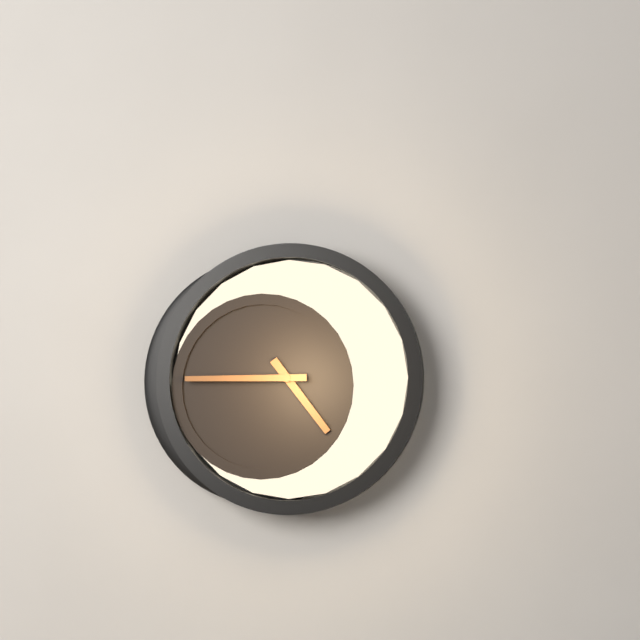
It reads 4 h 45 min
